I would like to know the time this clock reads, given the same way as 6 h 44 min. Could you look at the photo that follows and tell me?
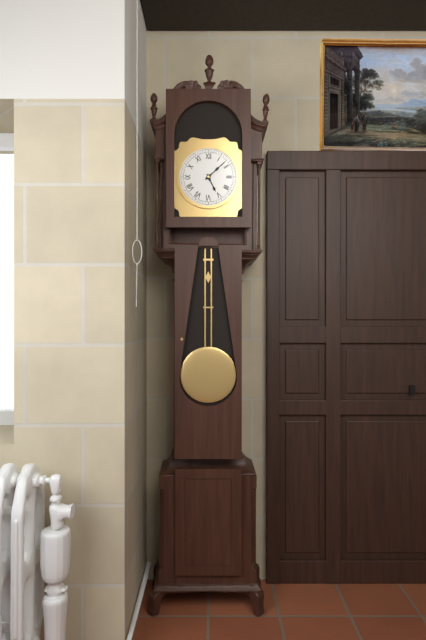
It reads 5 h 08 min
